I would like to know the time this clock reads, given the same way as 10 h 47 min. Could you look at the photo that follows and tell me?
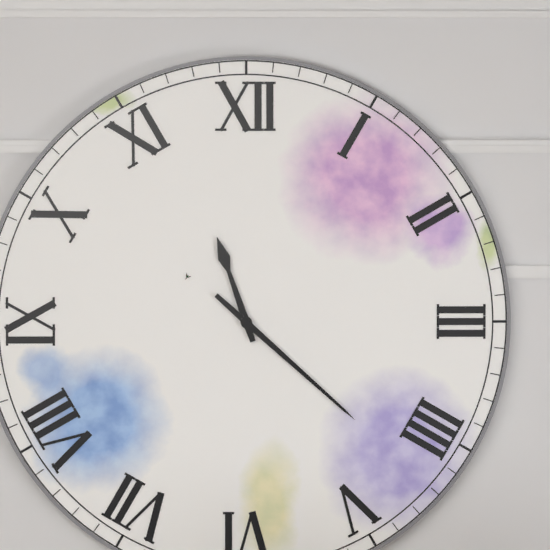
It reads 11 h 22 min
